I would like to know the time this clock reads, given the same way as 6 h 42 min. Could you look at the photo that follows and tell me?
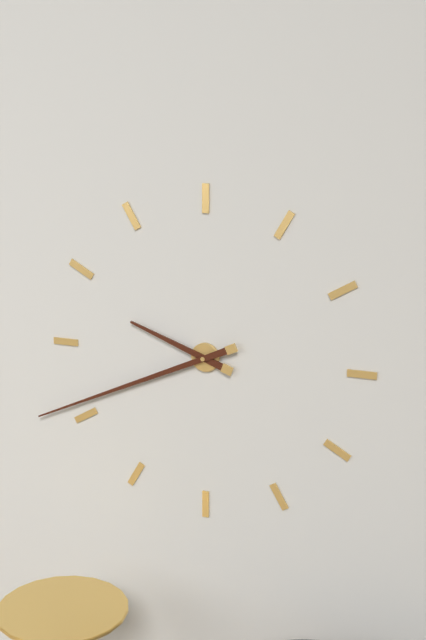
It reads 9 h 41 min
